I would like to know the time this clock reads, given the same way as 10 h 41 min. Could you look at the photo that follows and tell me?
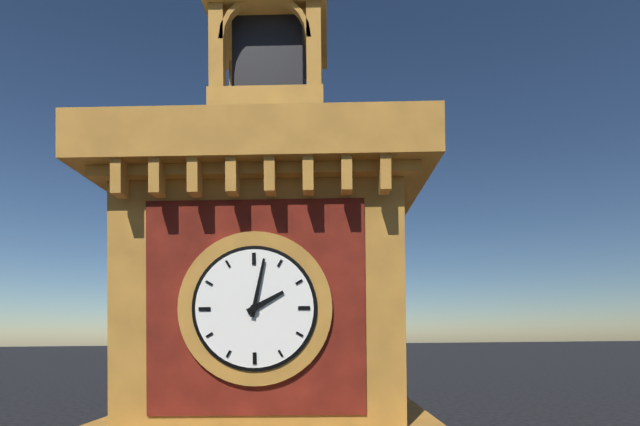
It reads 2 h 02 min
